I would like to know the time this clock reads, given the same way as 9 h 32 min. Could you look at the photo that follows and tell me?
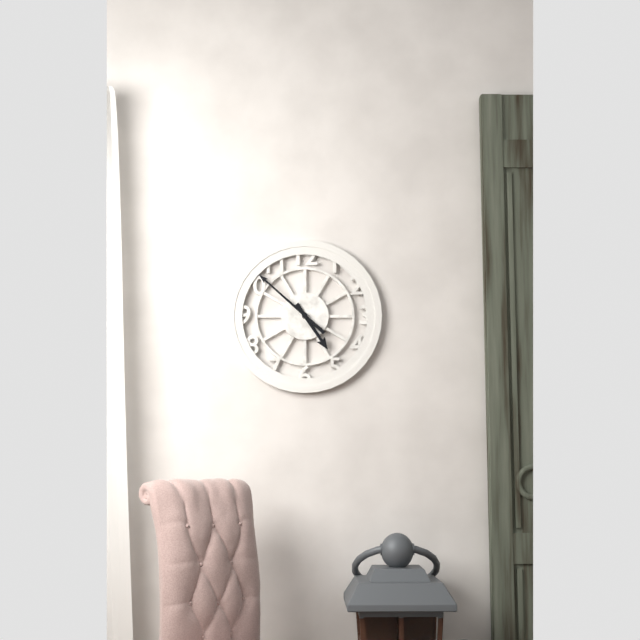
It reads 4 h 52 min
